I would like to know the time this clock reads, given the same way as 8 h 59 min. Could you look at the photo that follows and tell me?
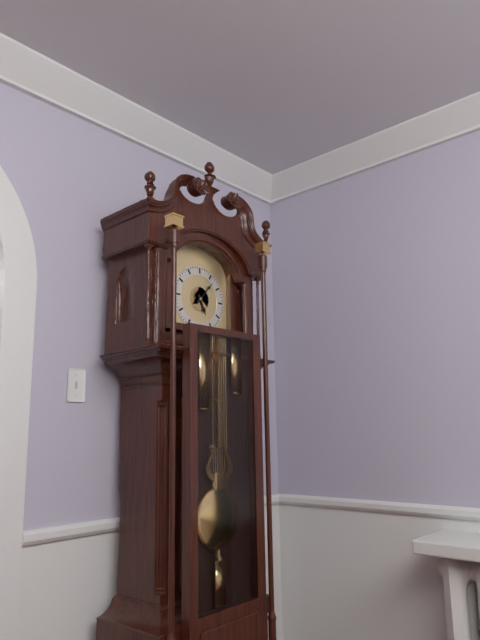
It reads 5 h 07 min
